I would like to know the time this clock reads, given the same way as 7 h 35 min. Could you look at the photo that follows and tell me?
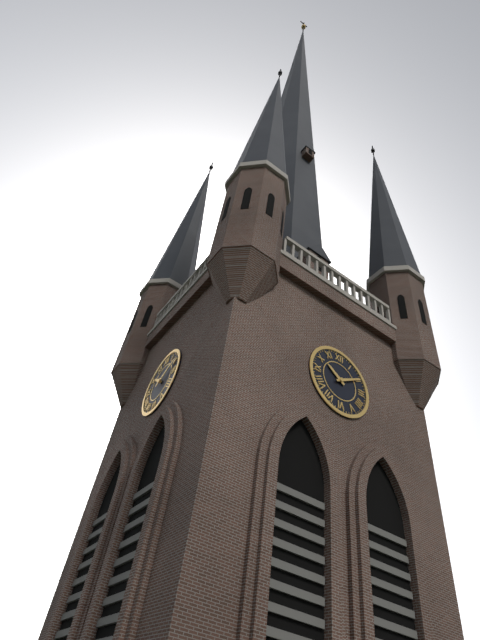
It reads 10 h 10 min
